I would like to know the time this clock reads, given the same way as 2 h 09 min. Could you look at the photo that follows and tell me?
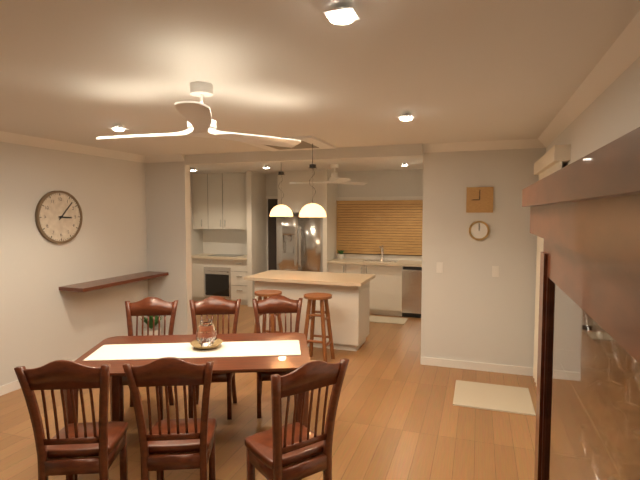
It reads 3 h 07 min
